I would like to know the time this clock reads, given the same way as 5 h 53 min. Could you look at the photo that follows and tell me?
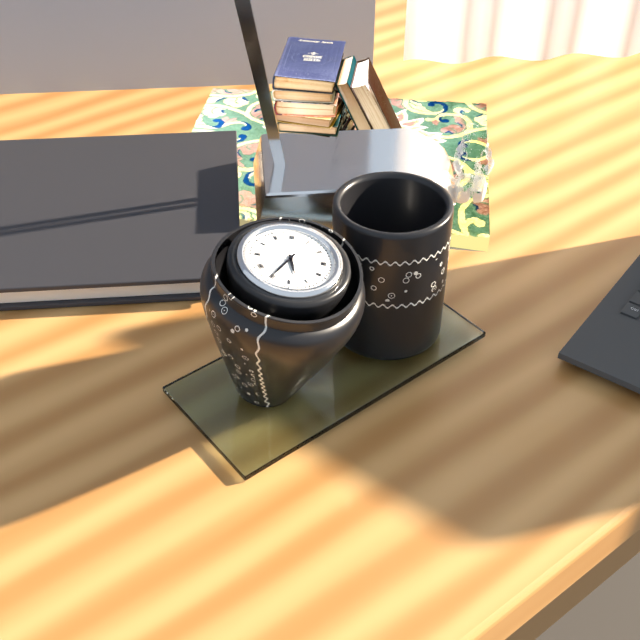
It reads 5 h 35 min
